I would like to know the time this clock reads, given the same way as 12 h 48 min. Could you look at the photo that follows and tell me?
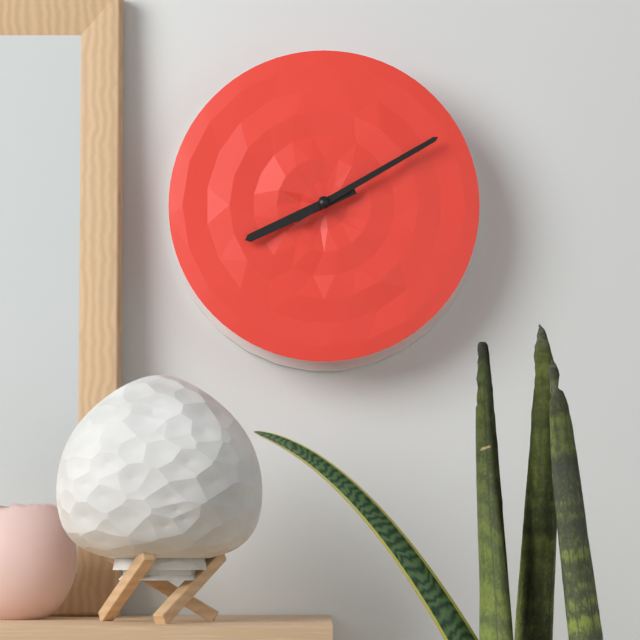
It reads 8 h 10 min
